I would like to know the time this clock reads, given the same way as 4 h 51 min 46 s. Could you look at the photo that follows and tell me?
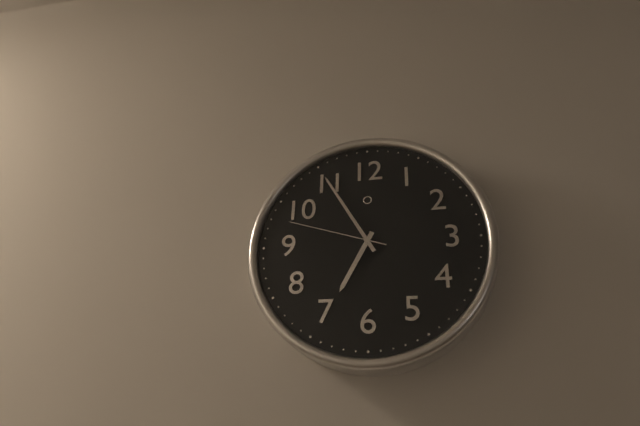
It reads 6 h 55 min 48 s
